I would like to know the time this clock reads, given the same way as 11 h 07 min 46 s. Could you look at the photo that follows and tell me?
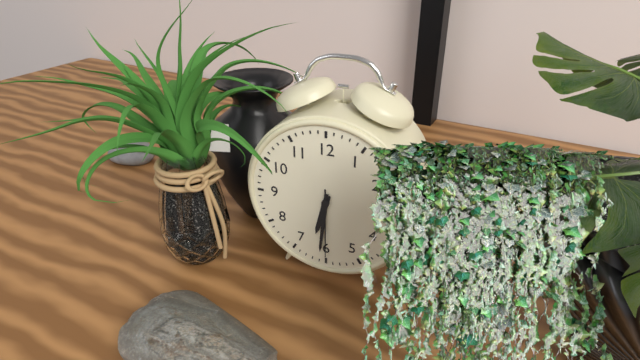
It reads 6 h 31 min 30 s
